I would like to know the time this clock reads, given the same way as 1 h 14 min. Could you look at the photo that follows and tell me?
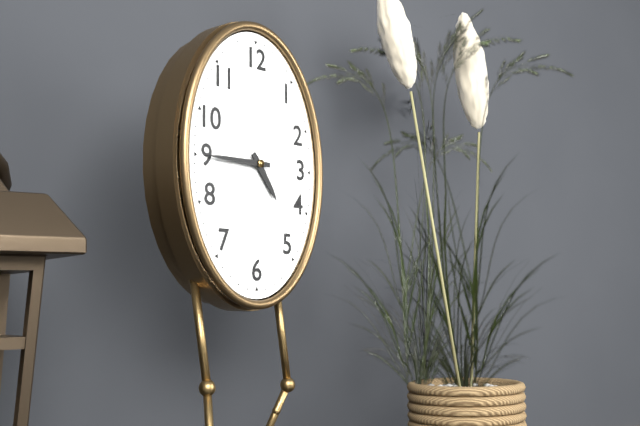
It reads 4 h 45 min
